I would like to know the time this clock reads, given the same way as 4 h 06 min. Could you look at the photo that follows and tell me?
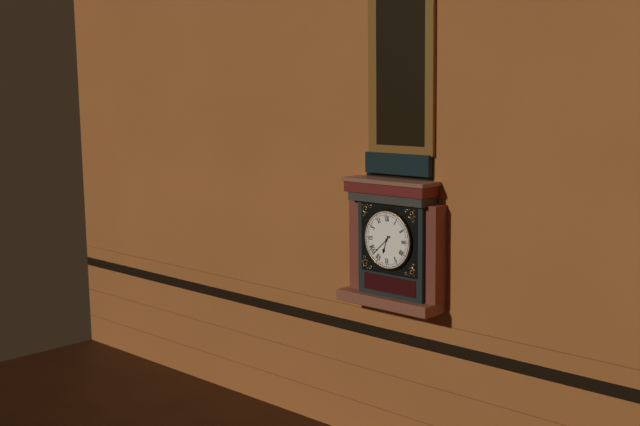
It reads 6 h 38 min
